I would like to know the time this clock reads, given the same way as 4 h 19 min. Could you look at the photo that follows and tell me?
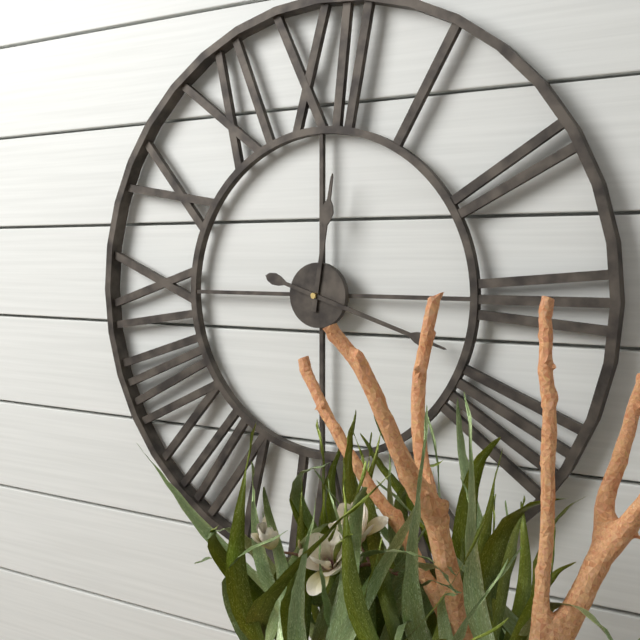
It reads 12 h 18 min
